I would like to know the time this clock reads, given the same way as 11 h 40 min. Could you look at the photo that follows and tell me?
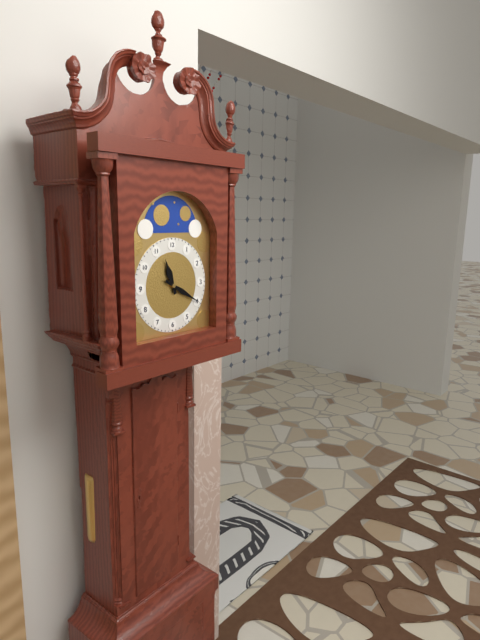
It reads 11 h 20 min
